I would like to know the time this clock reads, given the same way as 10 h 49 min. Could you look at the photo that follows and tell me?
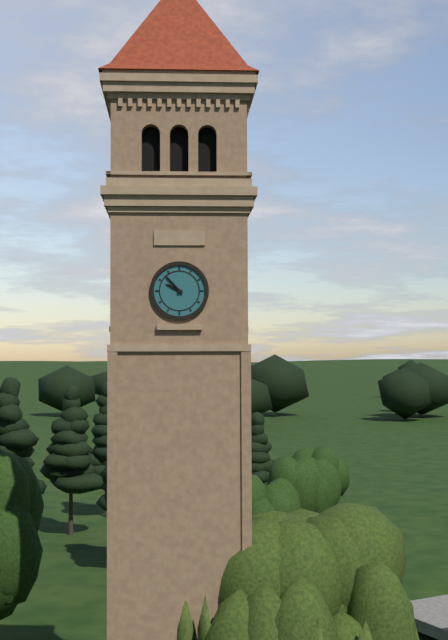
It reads 9 h 53 min
